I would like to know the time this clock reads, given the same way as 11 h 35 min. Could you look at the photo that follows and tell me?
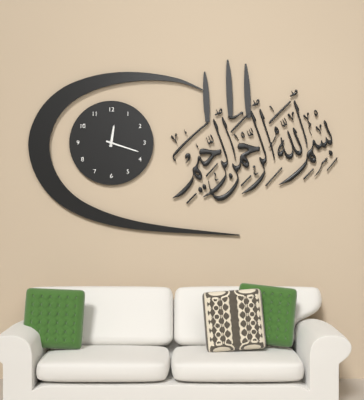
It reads 12 h 18 min
